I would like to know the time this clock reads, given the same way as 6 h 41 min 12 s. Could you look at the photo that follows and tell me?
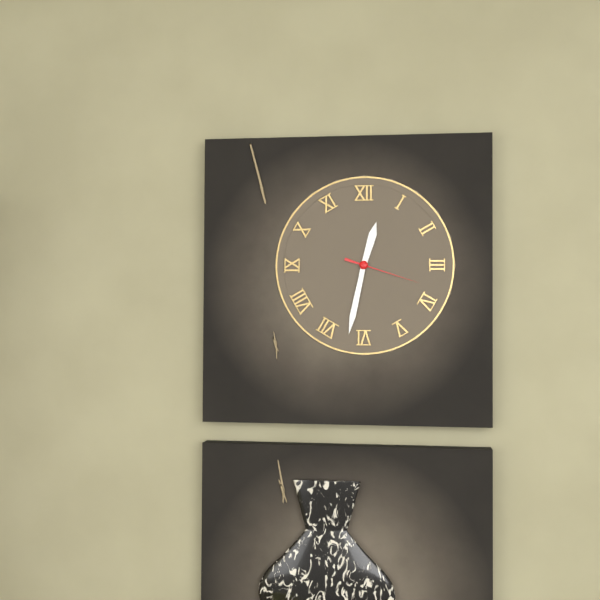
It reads 12 h 32 min 18 s
